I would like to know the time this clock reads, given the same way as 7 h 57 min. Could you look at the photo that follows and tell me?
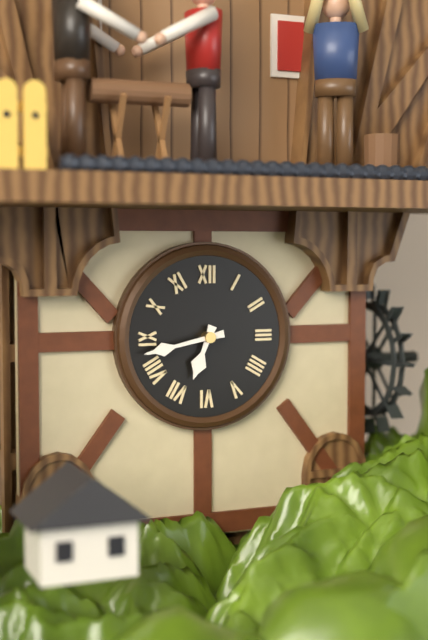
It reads 6 h 43 min
